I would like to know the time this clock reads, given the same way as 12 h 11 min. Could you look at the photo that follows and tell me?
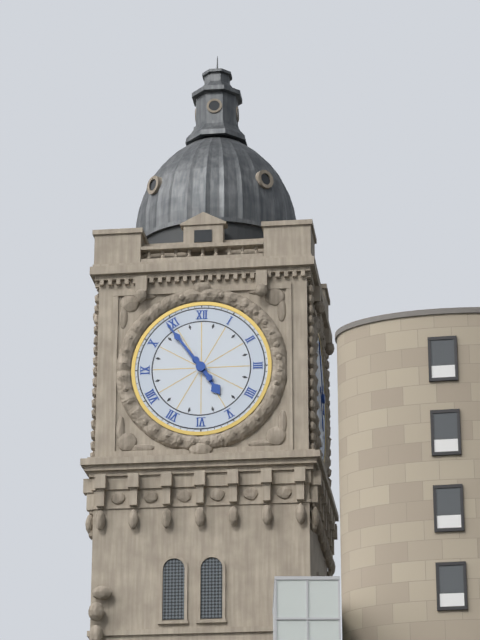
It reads 4 h 54 min
